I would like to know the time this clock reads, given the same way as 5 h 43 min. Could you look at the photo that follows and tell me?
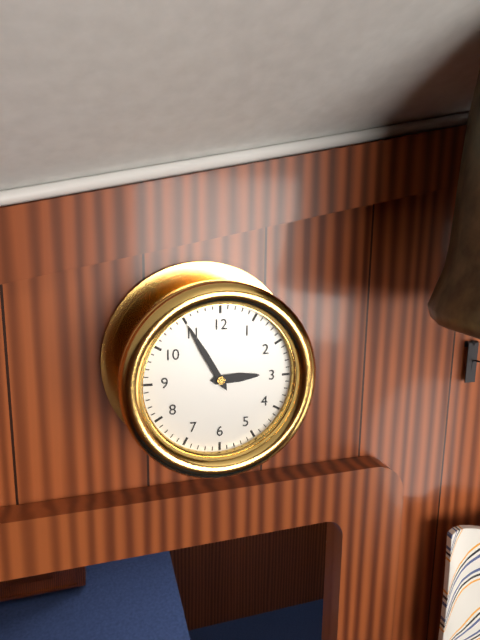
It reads 2 h 55 min
